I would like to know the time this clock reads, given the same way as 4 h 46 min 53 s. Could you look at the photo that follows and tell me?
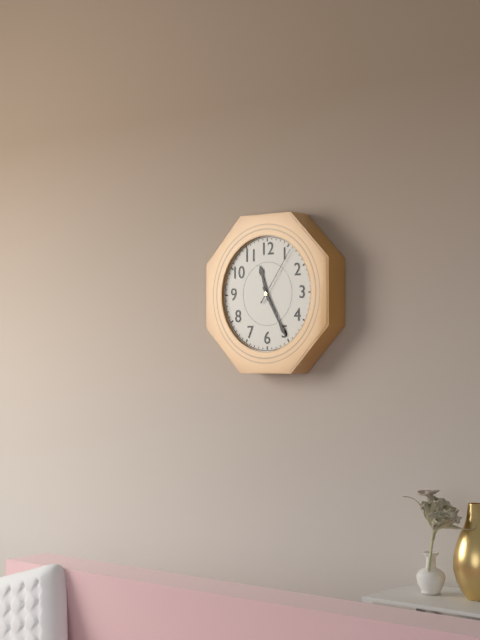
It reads 11 h 25 min 06 s
